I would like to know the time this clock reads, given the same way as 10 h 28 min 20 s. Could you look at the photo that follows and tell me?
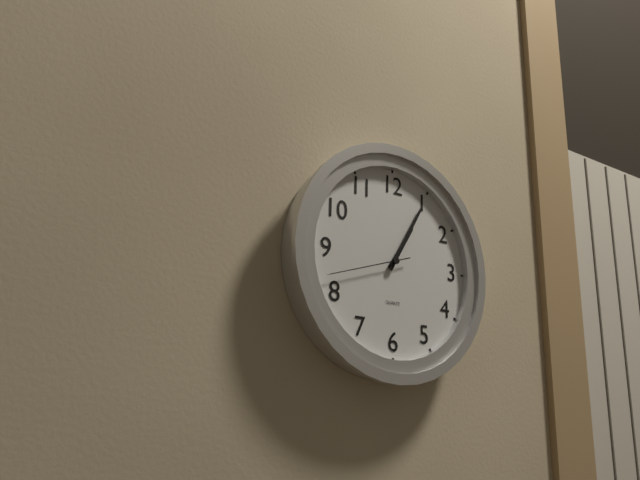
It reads 1 h 05 min 42 s
